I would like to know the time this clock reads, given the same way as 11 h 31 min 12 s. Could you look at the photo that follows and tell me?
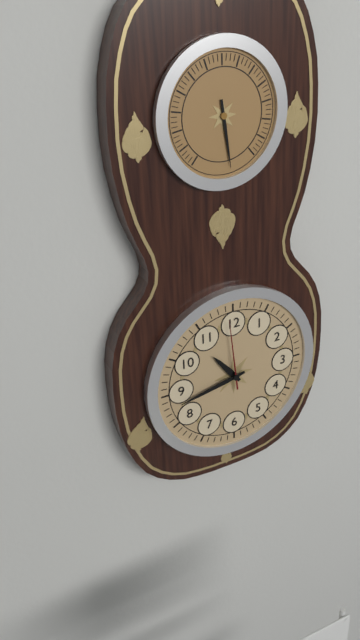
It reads 10 h 43 min 59 s
